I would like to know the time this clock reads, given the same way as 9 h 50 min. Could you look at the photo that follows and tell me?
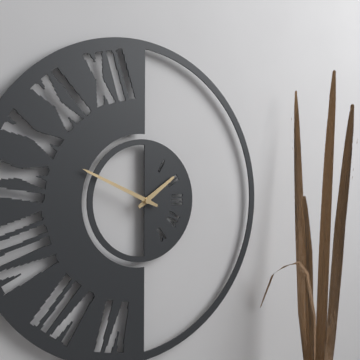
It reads 1 h 49 min
